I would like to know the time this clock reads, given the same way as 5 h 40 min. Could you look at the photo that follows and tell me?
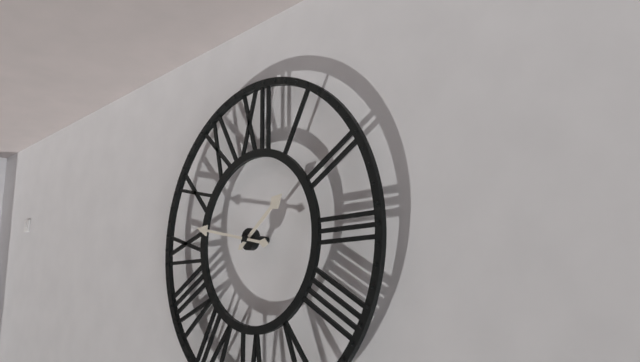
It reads 1 h 47 min
